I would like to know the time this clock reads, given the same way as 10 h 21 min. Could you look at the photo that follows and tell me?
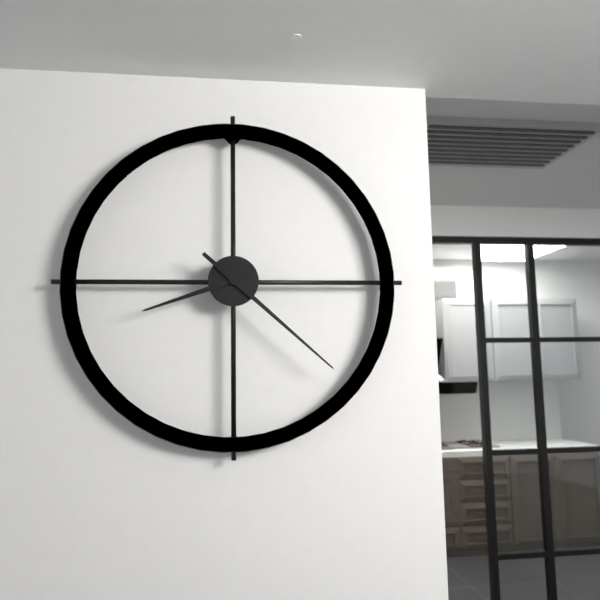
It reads 8 h 22 min
